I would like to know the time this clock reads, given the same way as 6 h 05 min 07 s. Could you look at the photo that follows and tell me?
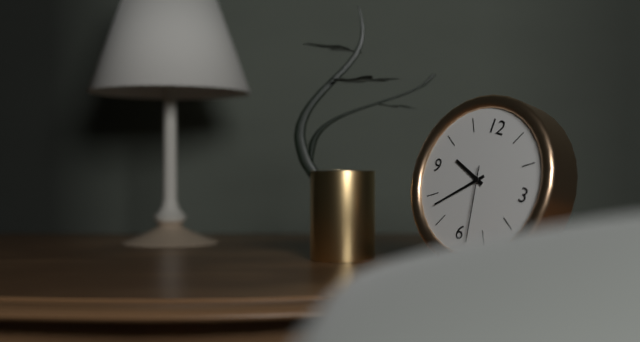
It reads 9 h 38 min 28 s
